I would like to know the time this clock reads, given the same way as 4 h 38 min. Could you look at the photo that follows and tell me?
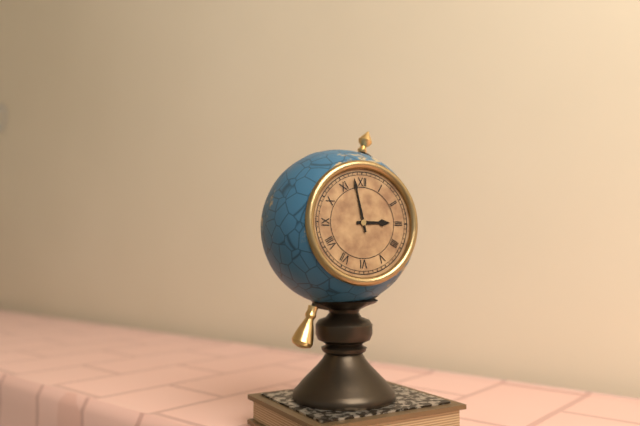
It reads 2 h 58 min
